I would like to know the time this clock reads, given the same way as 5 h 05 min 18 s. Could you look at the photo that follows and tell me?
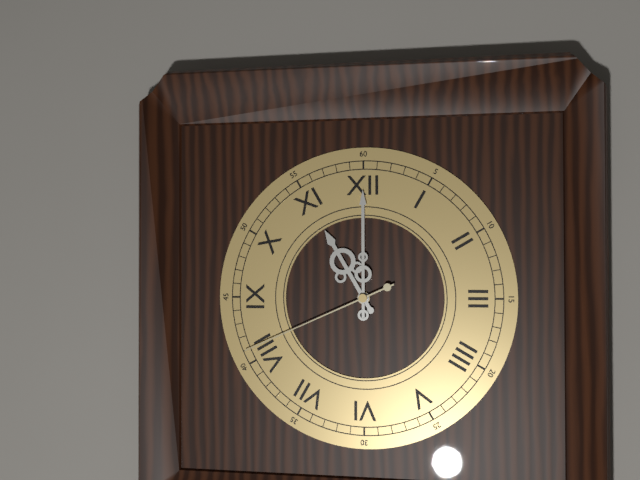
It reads 11 h 00 min 41 s
